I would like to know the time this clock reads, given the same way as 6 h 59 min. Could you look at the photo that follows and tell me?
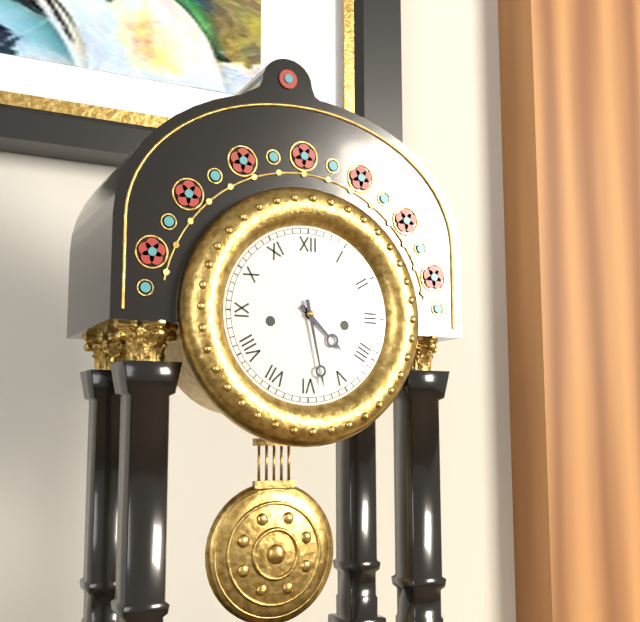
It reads 4 h 28 min
